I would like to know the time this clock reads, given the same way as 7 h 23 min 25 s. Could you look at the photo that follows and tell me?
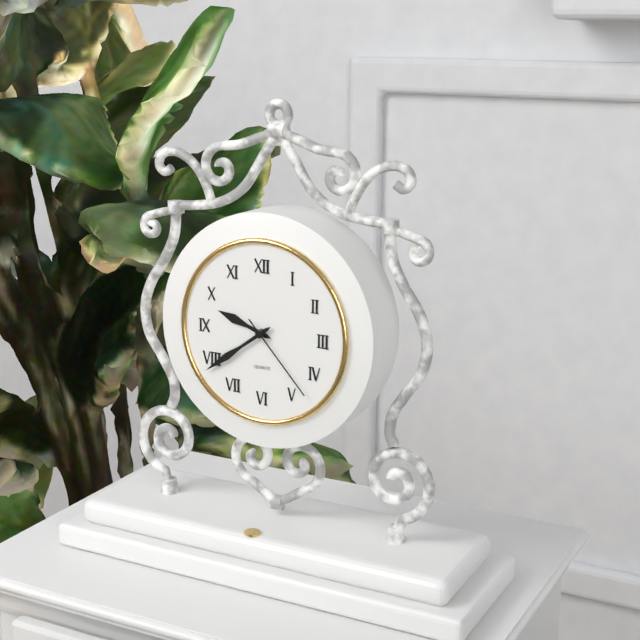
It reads 9 h 39 min 23 s
